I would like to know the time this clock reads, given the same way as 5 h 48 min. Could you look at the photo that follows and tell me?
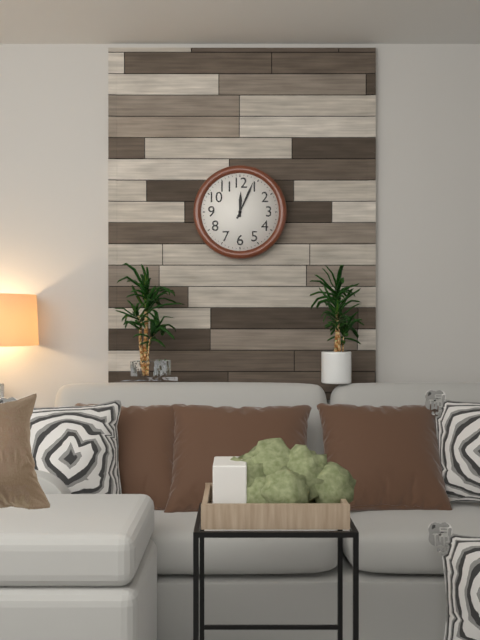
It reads 12 h 04 min
